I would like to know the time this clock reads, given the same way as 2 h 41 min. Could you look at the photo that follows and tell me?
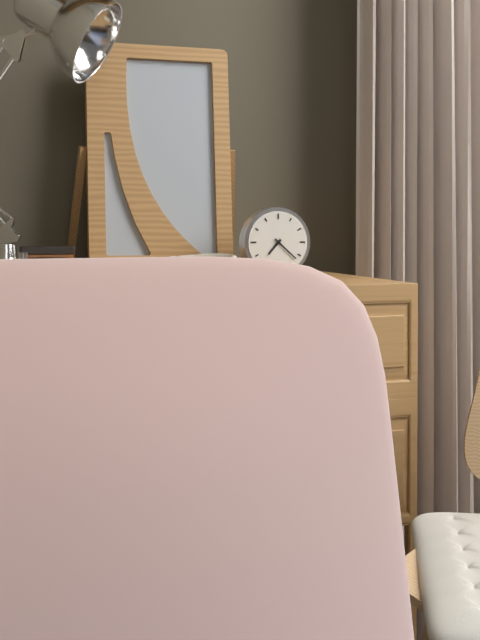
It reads 7 h 22 min
